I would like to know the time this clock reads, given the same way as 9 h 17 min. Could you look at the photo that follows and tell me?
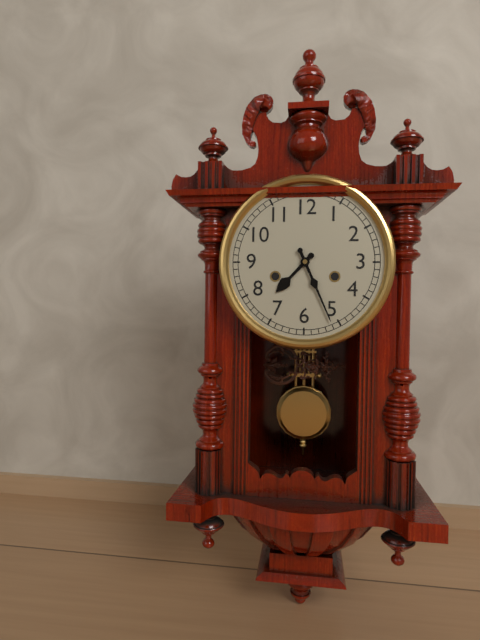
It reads 7 h 26 min
